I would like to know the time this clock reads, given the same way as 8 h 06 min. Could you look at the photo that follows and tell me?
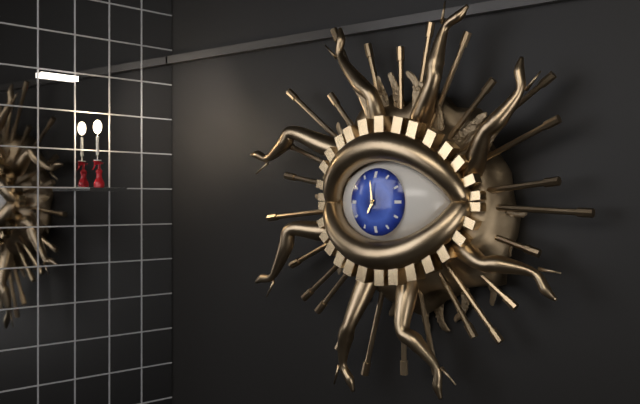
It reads 6 h 59 min
